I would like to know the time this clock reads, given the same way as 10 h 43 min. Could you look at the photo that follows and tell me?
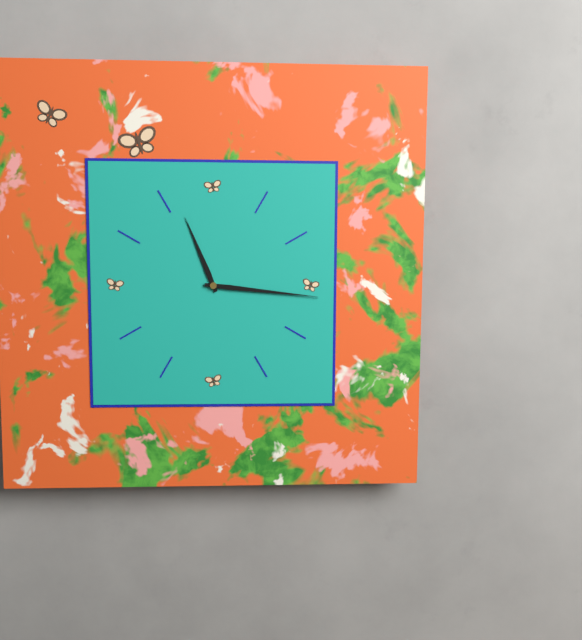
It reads 11 h 16 min
